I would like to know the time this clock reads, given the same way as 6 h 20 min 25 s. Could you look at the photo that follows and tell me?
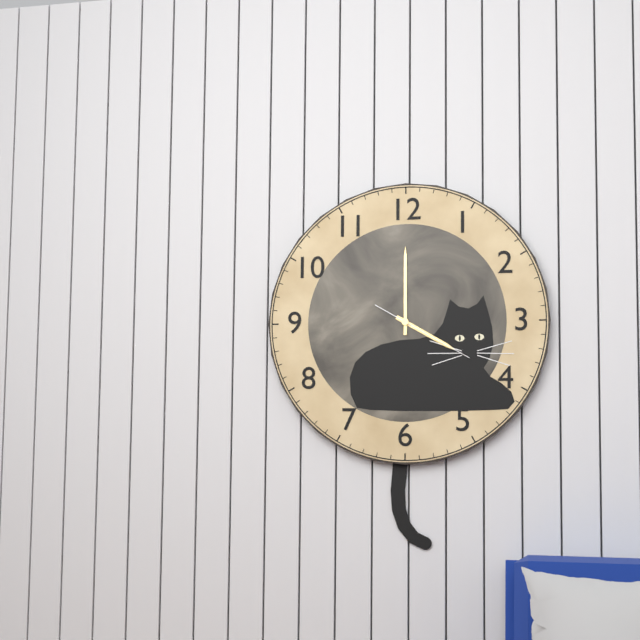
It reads 4 h 00 min 20 s
